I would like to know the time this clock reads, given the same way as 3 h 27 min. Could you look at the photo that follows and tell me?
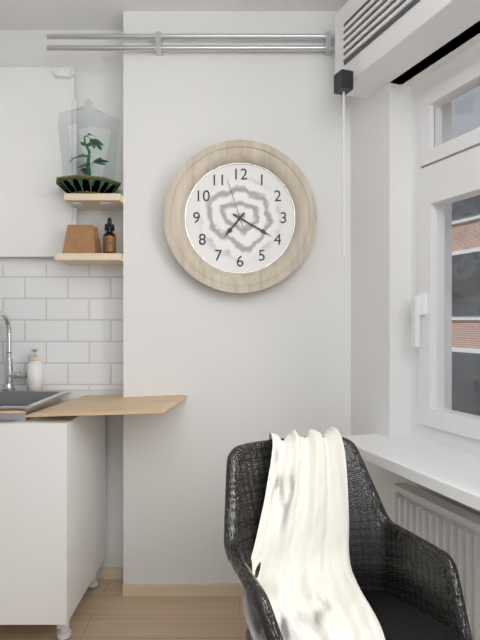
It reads 7 h 20 min
